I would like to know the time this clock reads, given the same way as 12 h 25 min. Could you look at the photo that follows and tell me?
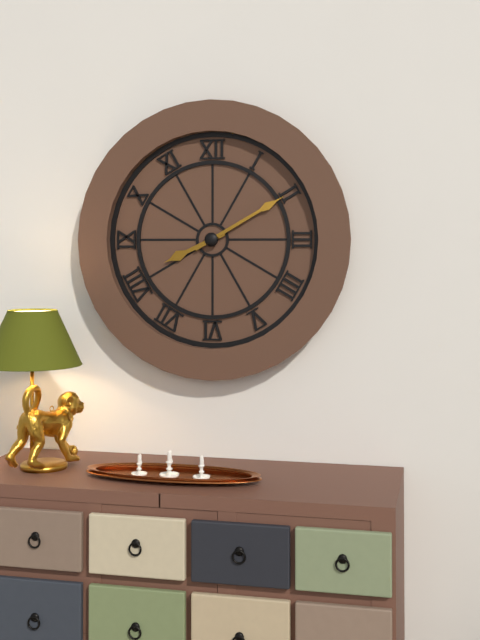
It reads 8 h 10 min
